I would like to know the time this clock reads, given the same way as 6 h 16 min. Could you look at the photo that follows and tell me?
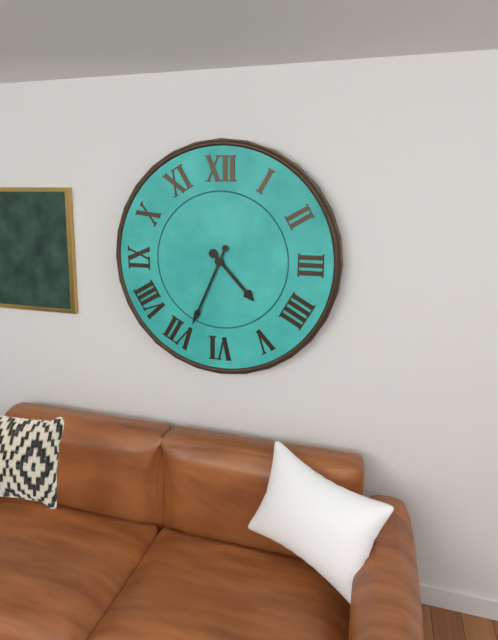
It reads 4 h 34 min
